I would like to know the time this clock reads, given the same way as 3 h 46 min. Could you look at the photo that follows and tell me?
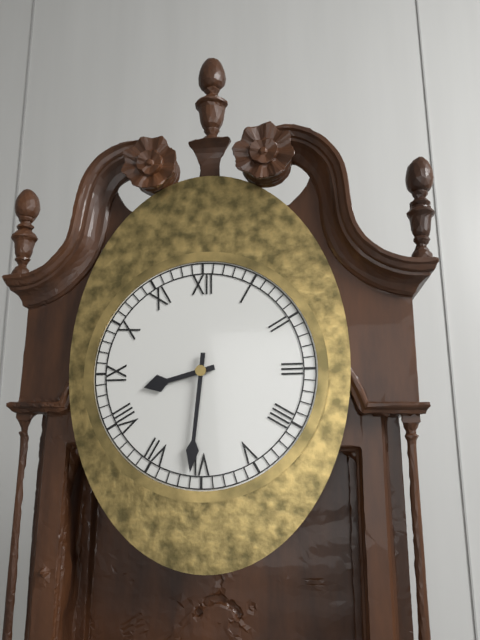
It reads 8 h 31 min
